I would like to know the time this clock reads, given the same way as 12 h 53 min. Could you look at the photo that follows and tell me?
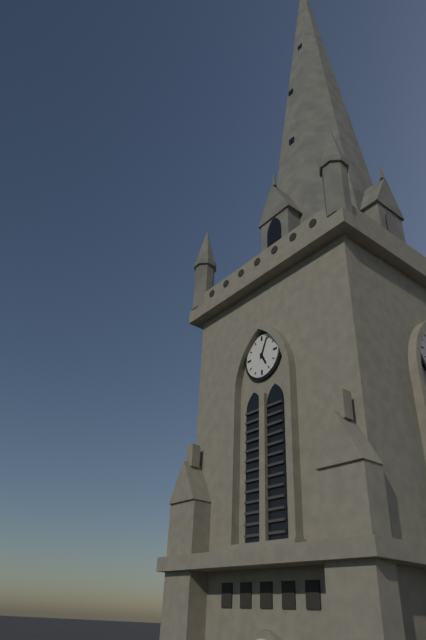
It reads 5 h 04 min
